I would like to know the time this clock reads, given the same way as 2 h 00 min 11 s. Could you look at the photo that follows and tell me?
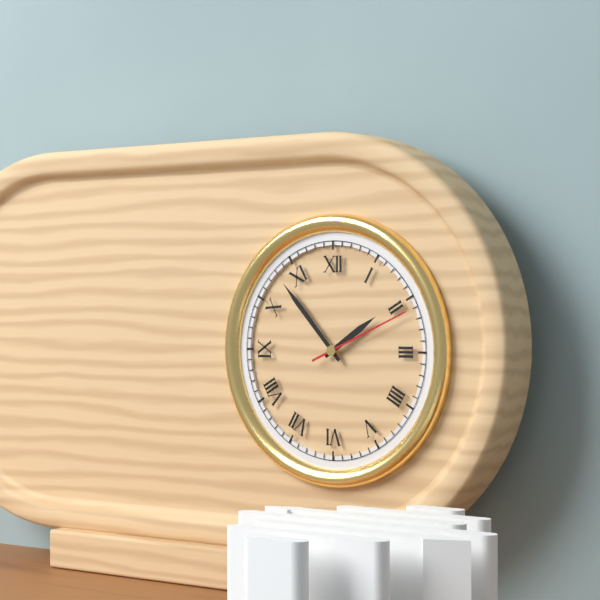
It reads 1 h 53 min 11 s
